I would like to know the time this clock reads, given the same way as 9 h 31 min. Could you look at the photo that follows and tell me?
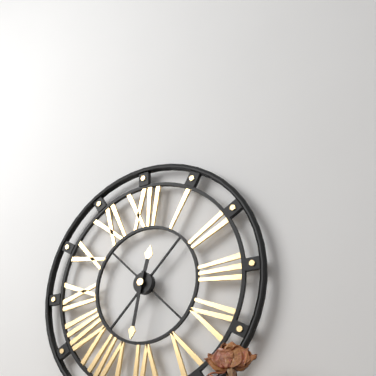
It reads 12 h 32 min
